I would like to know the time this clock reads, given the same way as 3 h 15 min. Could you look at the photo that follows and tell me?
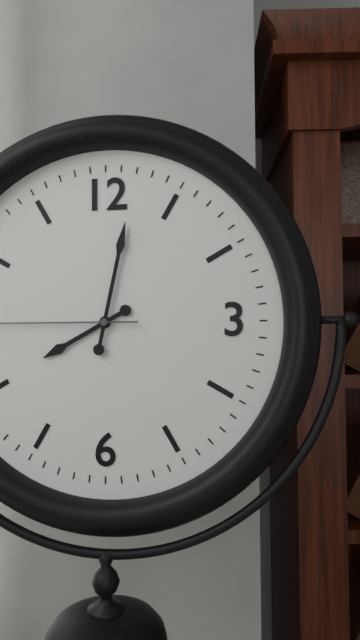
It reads 8 h 02 min
